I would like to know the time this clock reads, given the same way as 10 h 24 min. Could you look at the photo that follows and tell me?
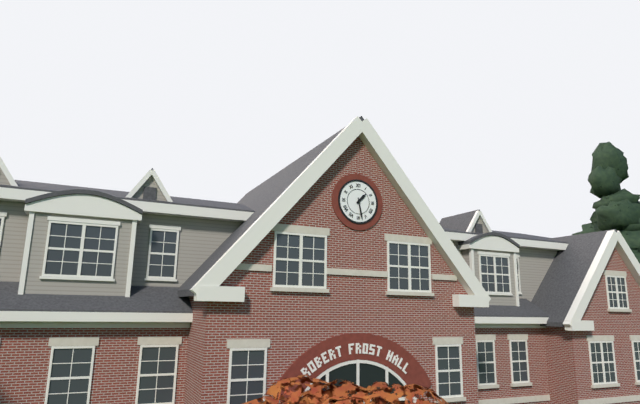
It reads 1 h 28 min
